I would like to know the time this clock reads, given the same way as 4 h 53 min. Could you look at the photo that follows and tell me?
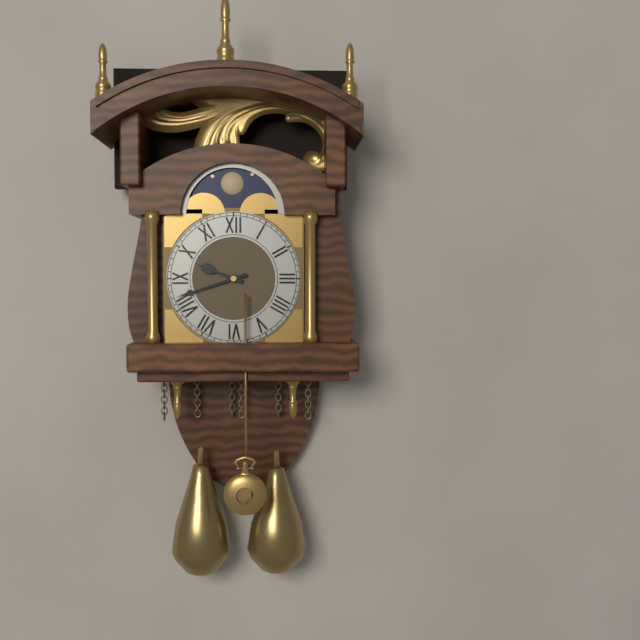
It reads 9 h 42 min
